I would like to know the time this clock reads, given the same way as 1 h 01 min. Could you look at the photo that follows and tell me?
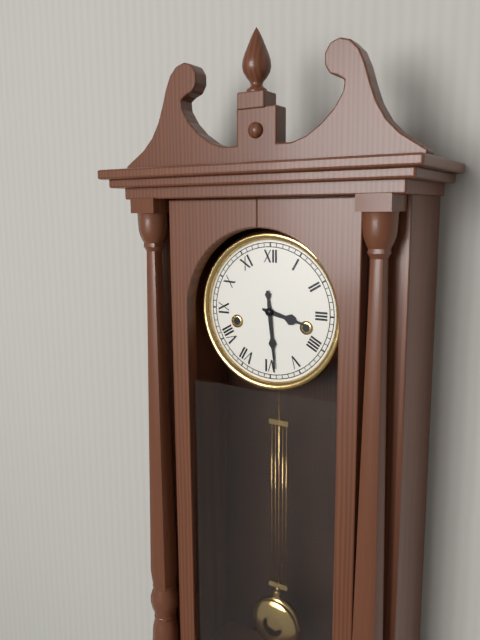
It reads 3 h 29 min
